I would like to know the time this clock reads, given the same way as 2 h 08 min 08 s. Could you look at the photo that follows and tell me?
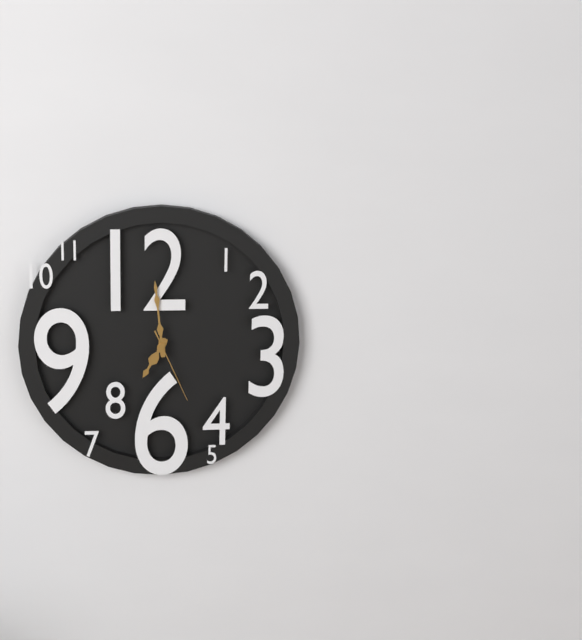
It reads 6 h 59 min 26 s
